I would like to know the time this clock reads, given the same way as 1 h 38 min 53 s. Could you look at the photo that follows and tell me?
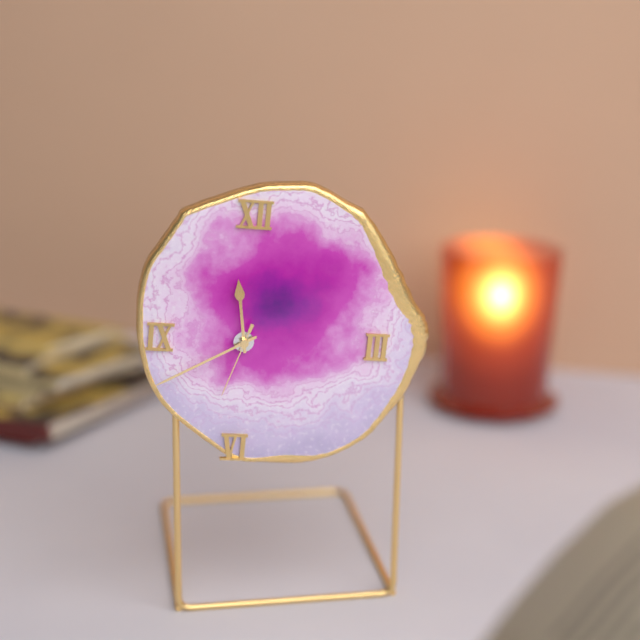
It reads 11 h 40 min 33 s
